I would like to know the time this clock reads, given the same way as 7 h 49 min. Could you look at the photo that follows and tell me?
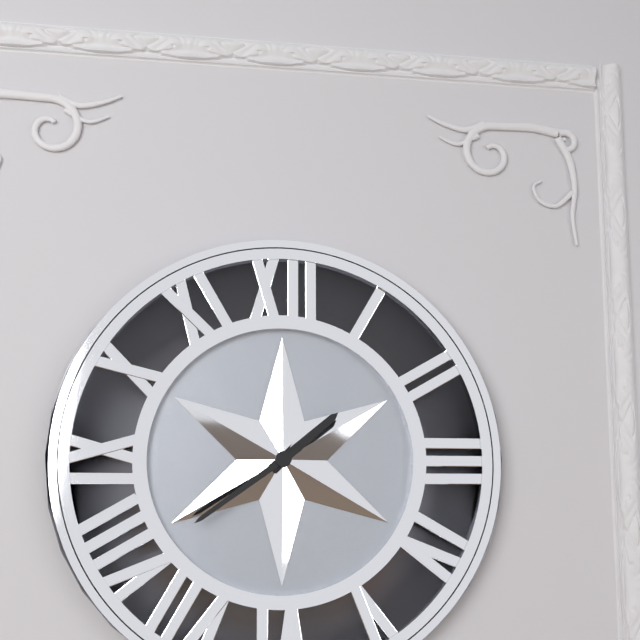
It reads 1 h 39 min
